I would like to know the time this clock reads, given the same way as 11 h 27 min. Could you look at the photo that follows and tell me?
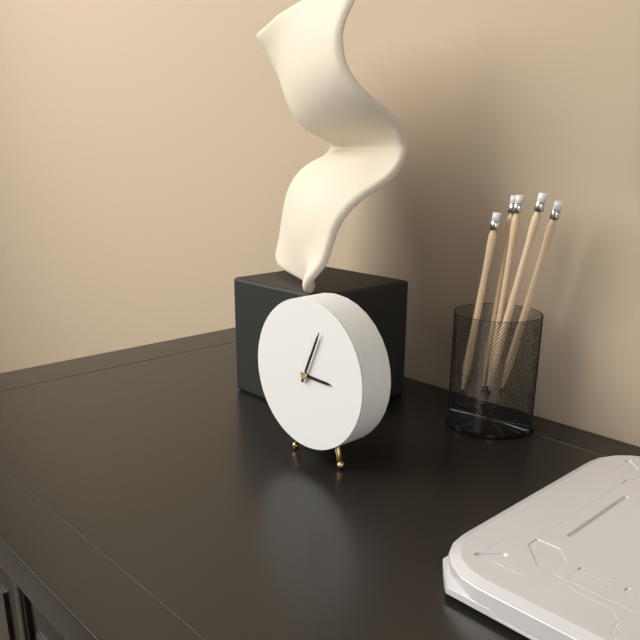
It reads 3 h 04 min
